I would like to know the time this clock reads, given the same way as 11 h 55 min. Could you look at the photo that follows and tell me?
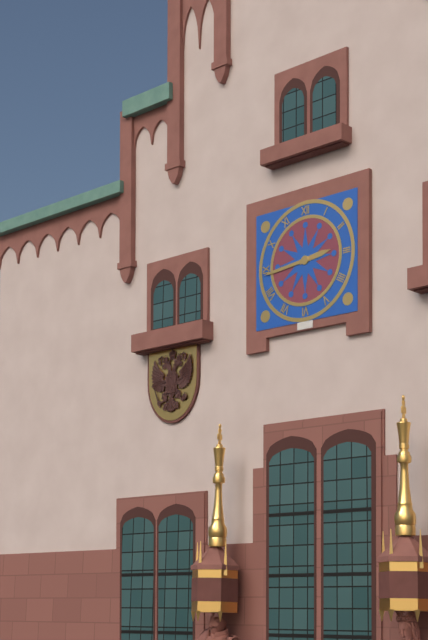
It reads 2 h 44 min
